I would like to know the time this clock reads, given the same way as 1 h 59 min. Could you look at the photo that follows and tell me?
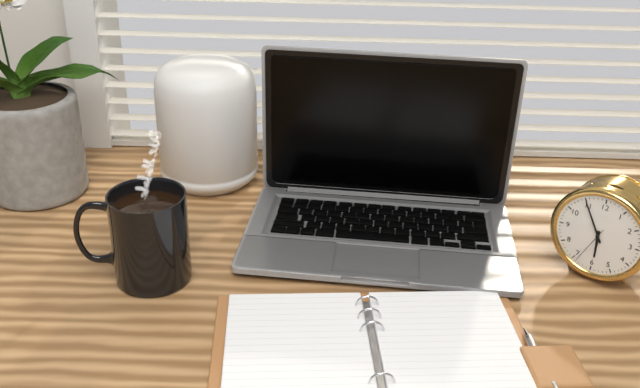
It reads 5 h 55 min
